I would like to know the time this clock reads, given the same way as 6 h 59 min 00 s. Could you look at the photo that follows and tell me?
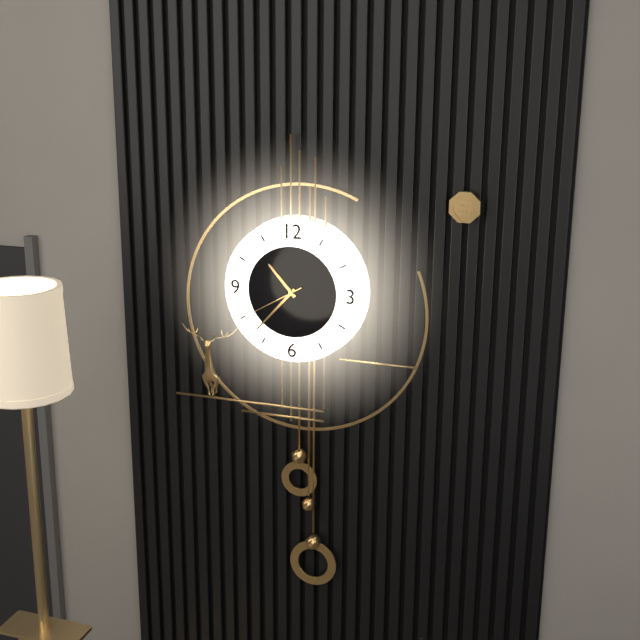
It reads 10 h 37 min 40 s
